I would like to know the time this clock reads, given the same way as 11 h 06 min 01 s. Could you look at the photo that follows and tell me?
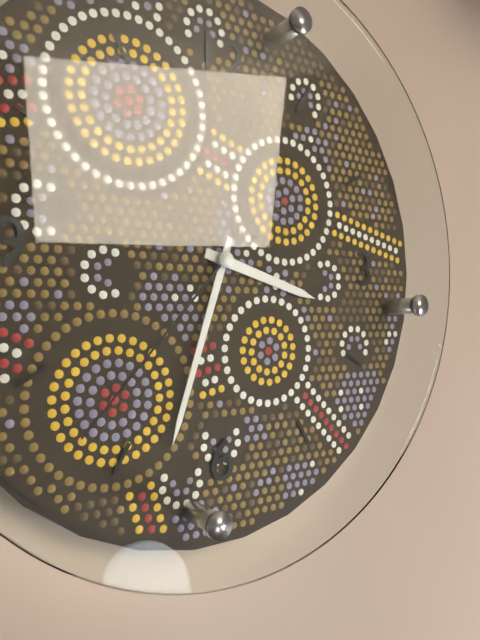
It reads 3 h 33 min 37 s
